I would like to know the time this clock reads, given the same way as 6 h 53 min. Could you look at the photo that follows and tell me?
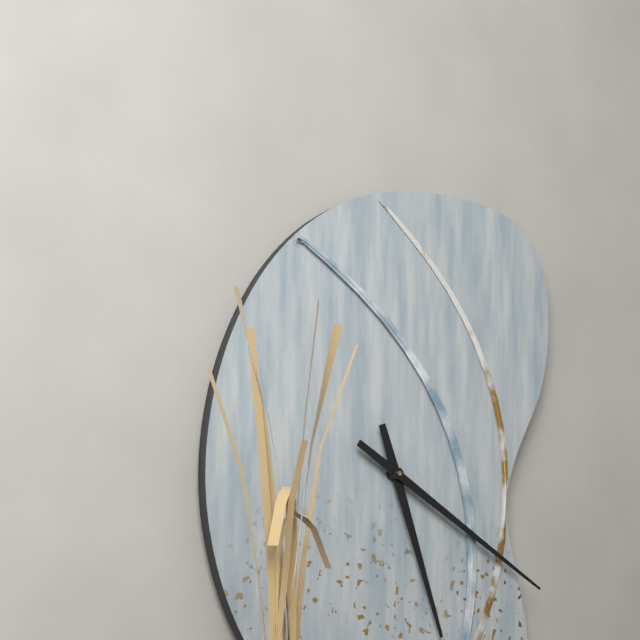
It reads 5 h 20 min
